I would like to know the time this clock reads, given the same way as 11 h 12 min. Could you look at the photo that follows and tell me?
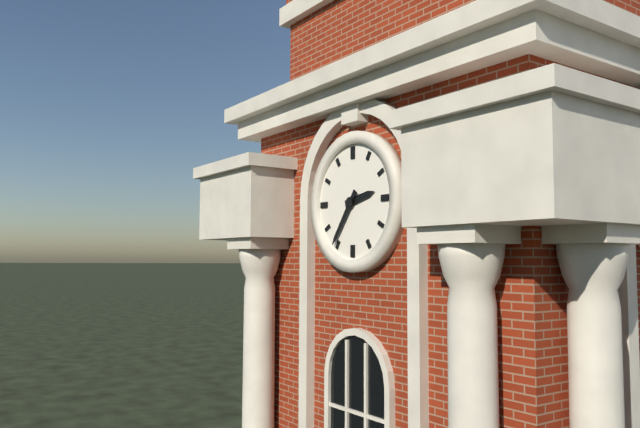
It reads 2 h 36 min
